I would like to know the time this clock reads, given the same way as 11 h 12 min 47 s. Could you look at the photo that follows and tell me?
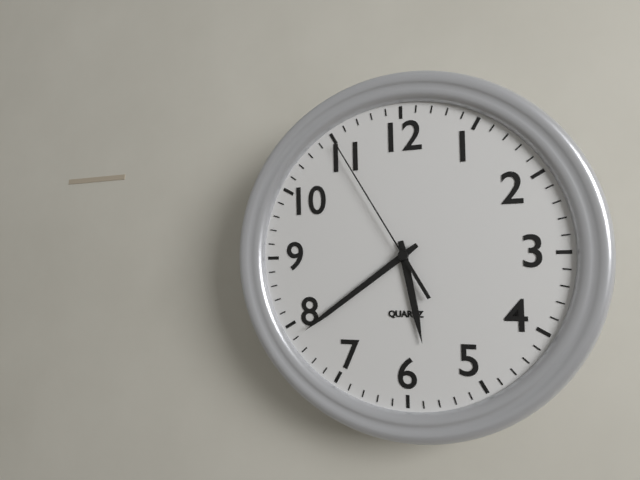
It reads 5 h 39 min 55 s
